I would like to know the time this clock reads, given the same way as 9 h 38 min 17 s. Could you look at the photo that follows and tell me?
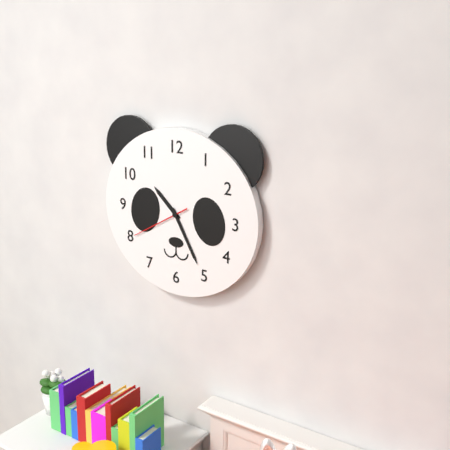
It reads 10 h 25 min 40 s
